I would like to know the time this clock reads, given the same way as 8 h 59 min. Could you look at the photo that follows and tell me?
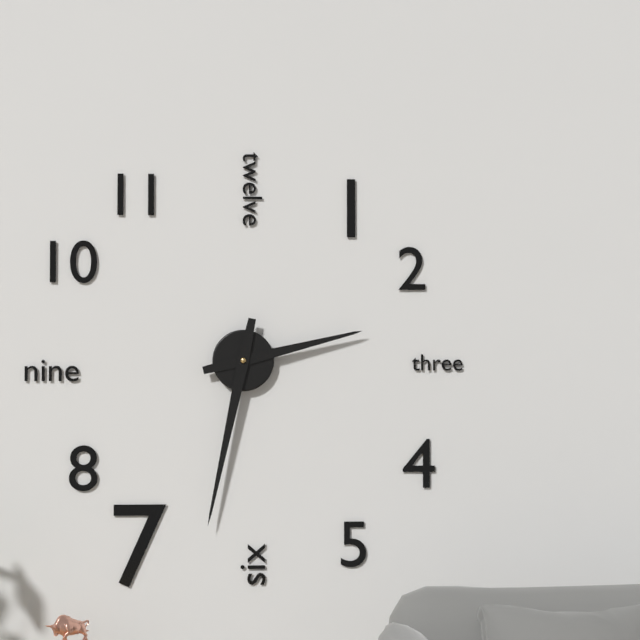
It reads 2 h 32 min
